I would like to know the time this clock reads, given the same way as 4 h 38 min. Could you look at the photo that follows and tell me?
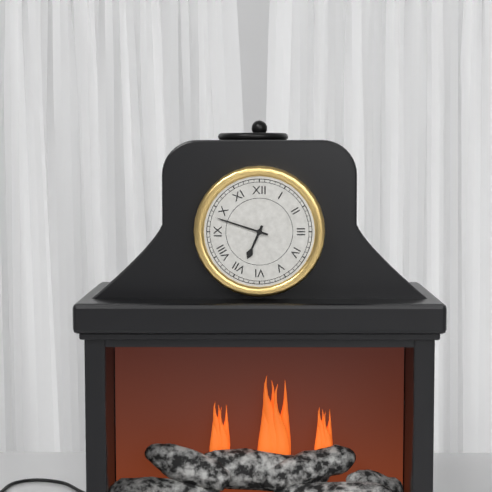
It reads 6 h 48 min
